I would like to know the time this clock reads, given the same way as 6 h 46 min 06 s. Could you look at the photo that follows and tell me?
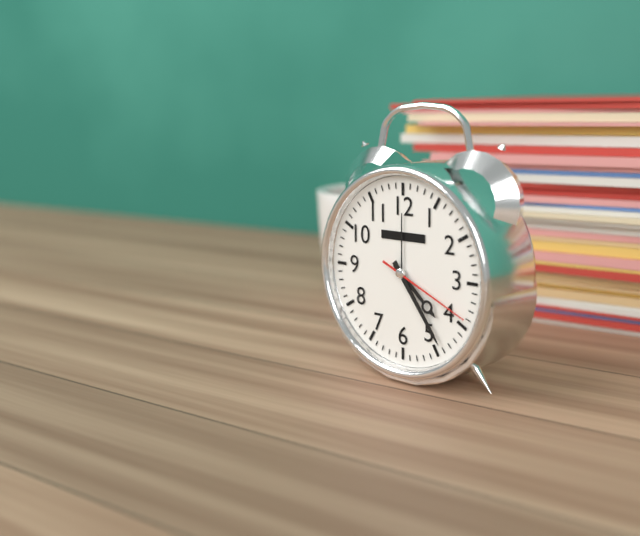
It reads 4 h 24 min 19 s
